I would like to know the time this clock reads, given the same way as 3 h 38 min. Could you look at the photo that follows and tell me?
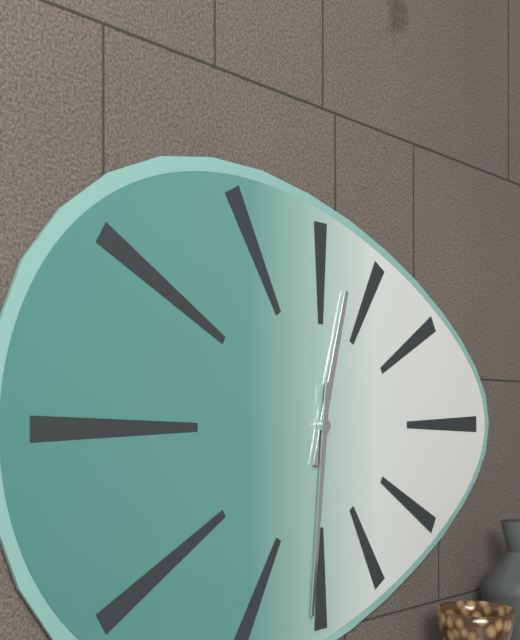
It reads 12 h 31 min
